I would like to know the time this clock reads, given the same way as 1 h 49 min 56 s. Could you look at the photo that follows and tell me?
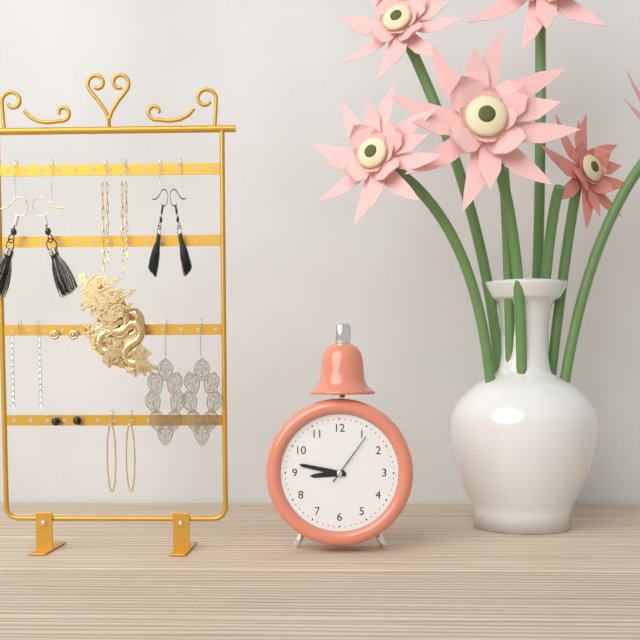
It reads 8 h 47 min 06 s
